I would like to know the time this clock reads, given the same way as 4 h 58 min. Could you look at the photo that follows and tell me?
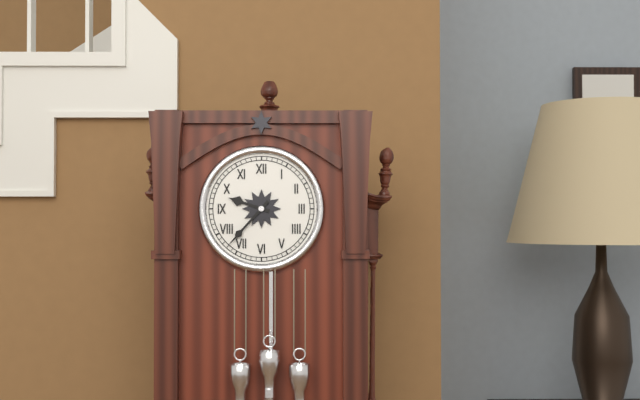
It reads 9 h 37 min
